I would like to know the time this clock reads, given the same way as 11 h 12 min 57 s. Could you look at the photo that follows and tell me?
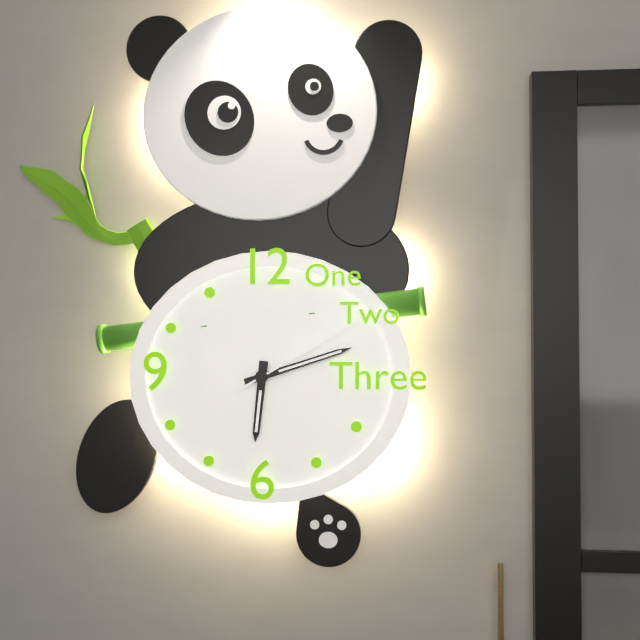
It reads 6 h 12 min 10 s
